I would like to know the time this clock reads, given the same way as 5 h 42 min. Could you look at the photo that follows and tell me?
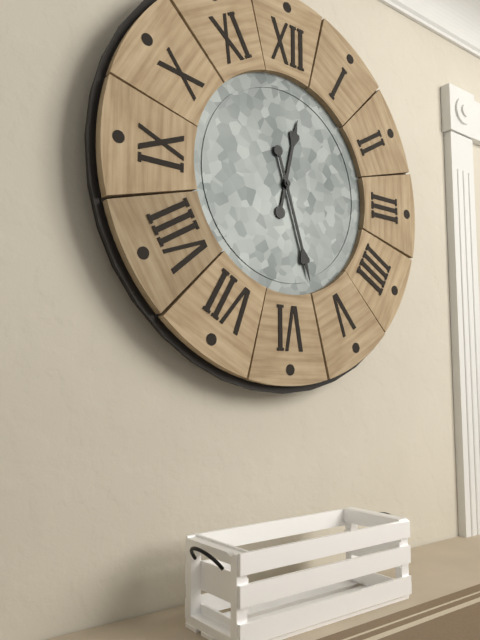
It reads 12 h 27 min
